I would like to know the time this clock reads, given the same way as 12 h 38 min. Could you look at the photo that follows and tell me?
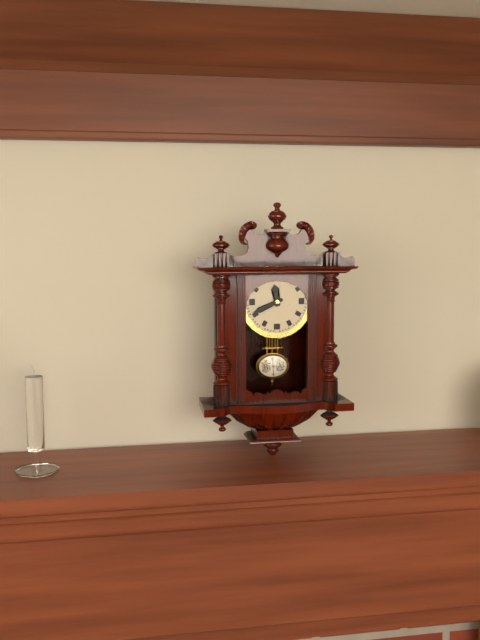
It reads 11 h 41 min
